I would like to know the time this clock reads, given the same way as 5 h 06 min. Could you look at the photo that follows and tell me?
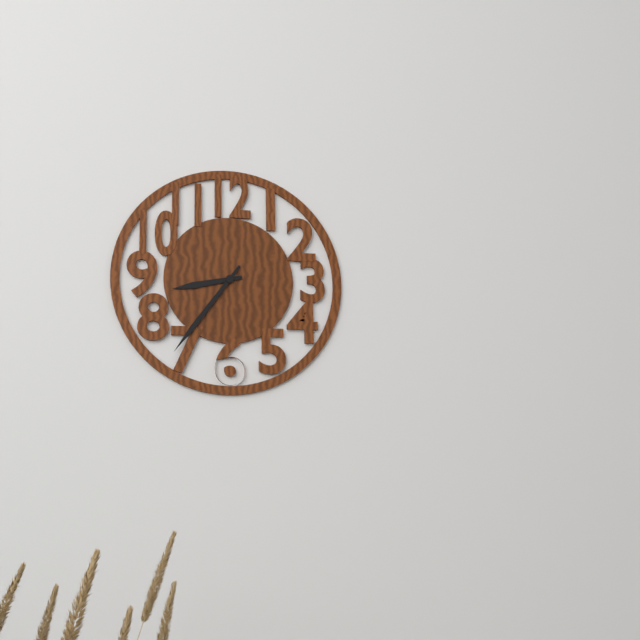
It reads 8 h 36 min
